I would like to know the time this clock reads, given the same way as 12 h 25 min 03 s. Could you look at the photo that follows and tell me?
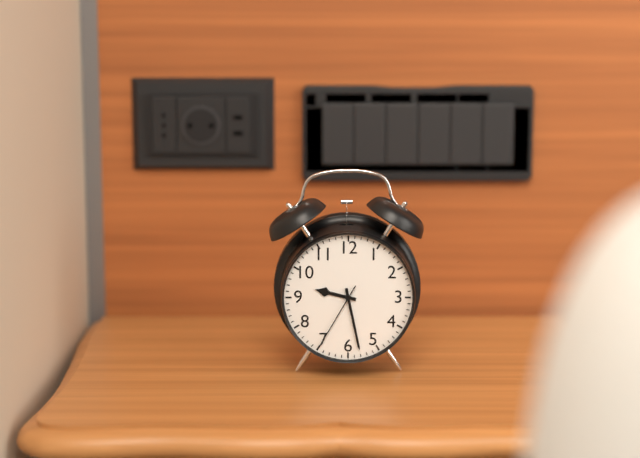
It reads 9 h 28 min 35 s
